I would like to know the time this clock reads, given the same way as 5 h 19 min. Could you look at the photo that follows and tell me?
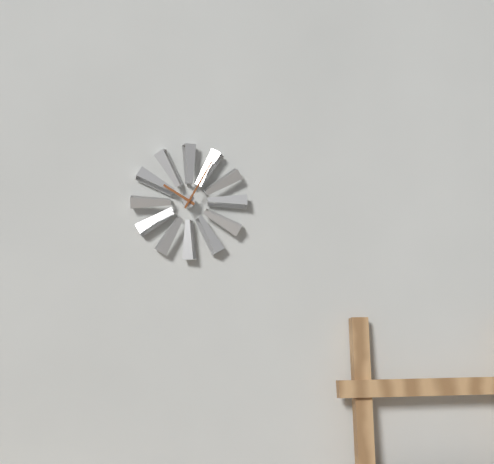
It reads 10 h 05 min
